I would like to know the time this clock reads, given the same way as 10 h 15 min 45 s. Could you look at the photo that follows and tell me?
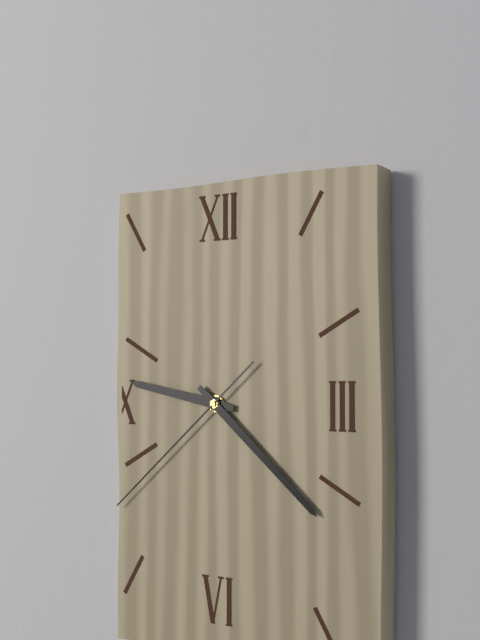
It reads 9 h 22 min 38 s
